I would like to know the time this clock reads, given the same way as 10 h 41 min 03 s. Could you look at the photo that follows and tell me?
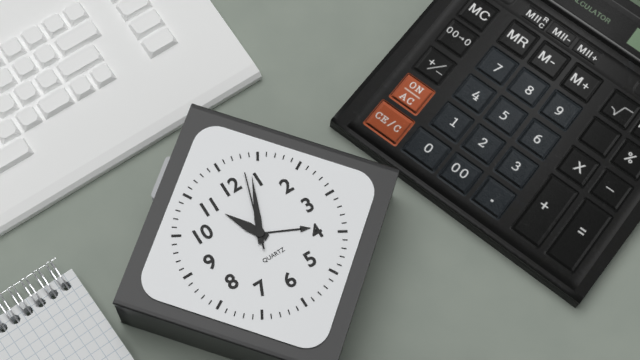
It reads 11 h 04 min 03 s
